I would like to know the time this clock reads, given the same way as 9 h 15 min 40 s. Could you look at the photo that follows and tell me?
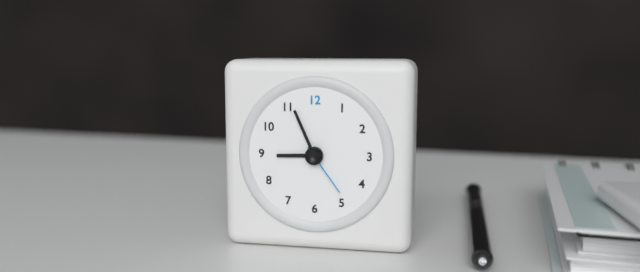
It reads 8 h 56 min 24 s
